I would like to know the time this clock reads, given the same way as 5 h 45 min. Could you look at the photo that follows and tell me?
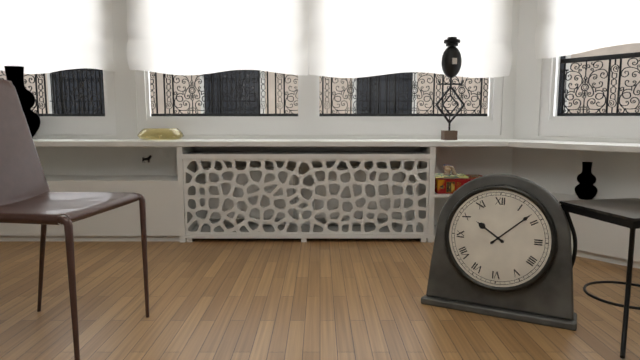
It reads 10 h 08 min
